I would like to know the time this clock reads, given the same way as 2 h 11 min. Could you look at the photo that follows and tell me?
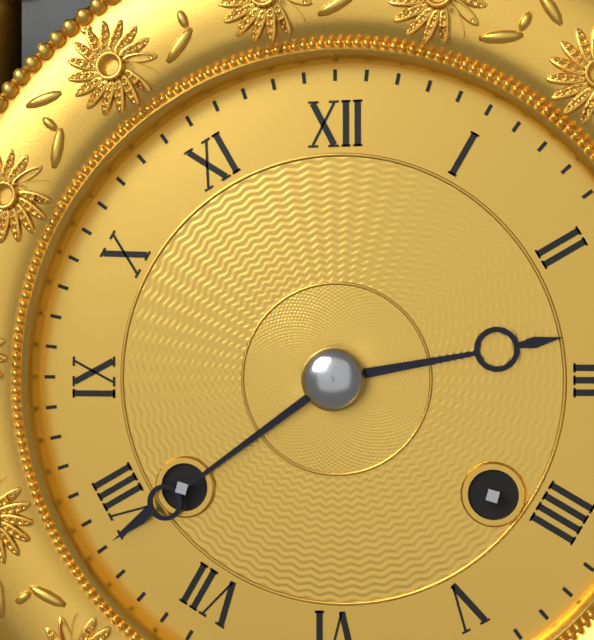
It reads 2 h 39 min
